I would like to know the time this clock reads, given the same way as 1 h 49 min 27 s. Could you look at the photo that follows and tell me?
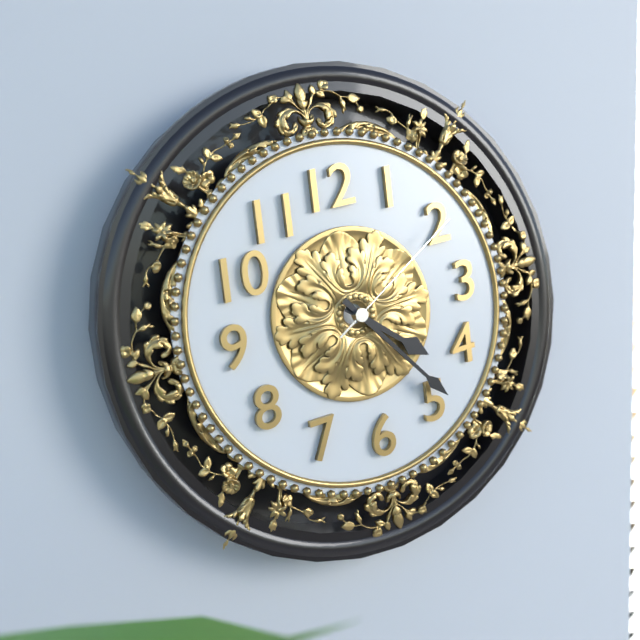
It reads 4 h 24 min 10 s
